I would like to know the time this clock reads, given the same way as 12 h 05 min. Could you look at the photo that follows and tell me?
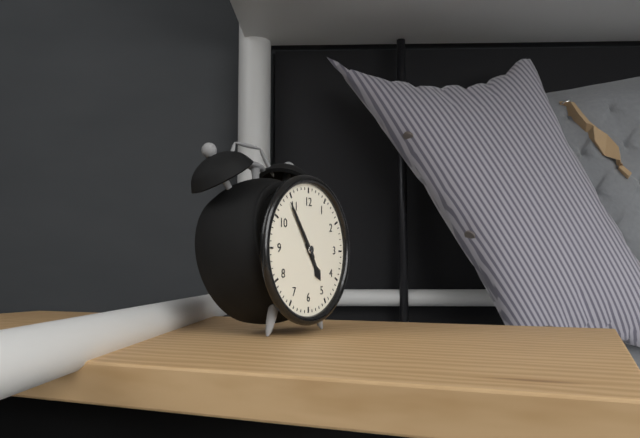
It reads 4 h 54 min
